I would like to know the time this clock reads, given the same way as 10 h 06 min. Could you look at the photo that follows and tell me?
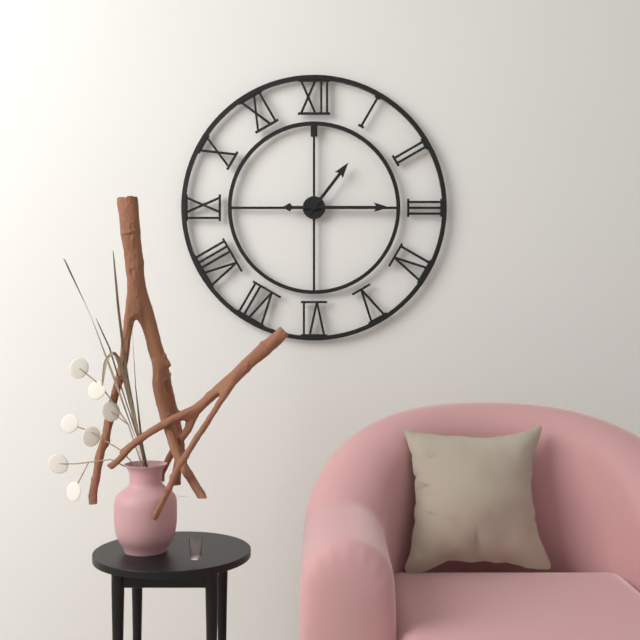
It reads 1 h 15 min
